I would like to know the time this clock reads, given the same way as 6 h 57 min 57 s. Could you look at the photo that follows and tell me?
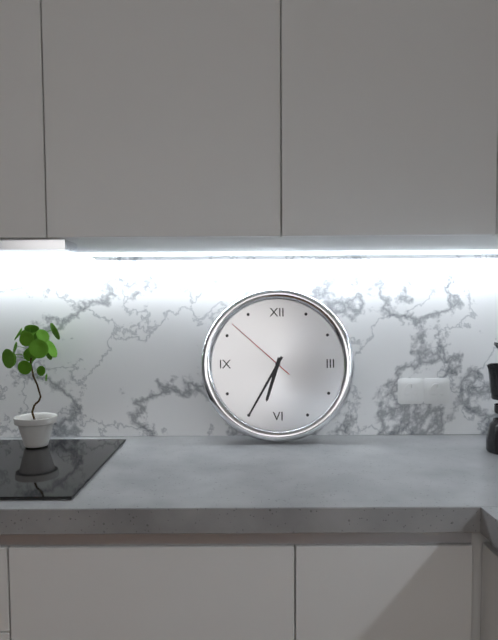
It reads 6 h 35 min 52 s
